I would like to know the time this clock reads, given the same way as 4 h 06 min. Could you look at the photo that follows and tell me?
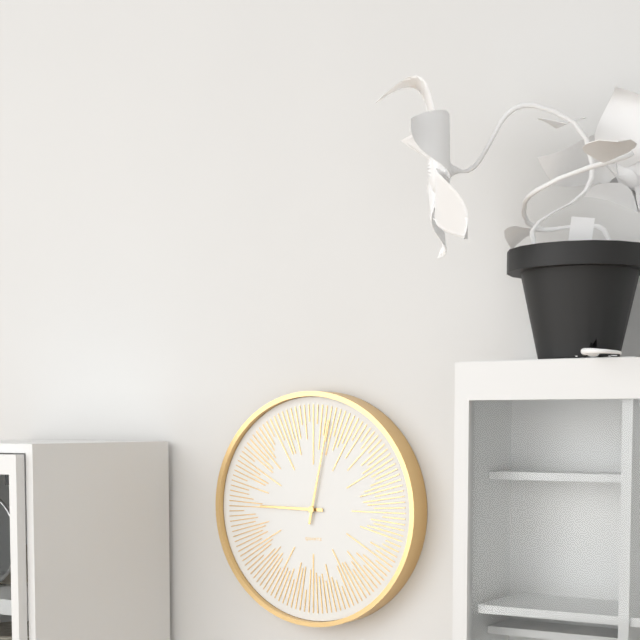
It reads 9 h 02 min
